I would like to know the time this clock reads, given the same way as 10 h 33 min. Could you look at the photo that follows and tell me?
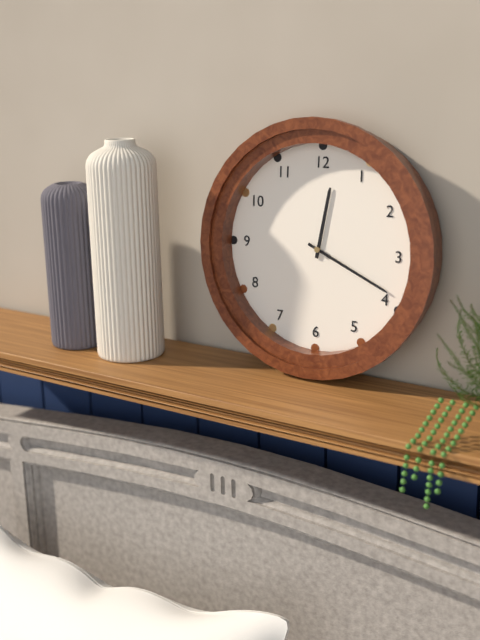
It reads 12 h 19 min
